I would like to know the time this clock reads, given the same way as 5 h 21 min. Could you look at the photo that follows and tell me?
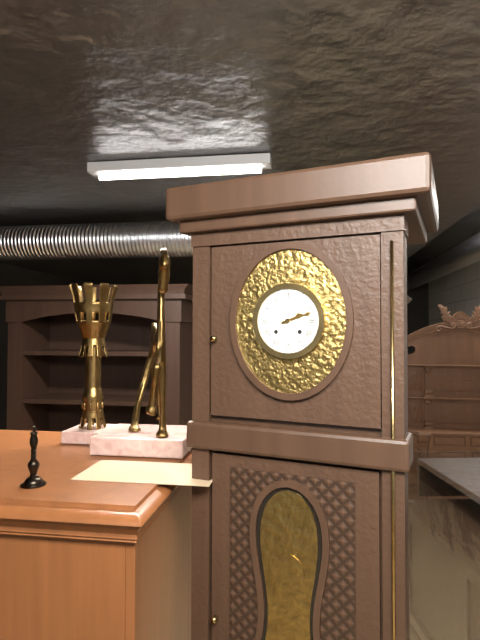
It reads 2 h 12 min
